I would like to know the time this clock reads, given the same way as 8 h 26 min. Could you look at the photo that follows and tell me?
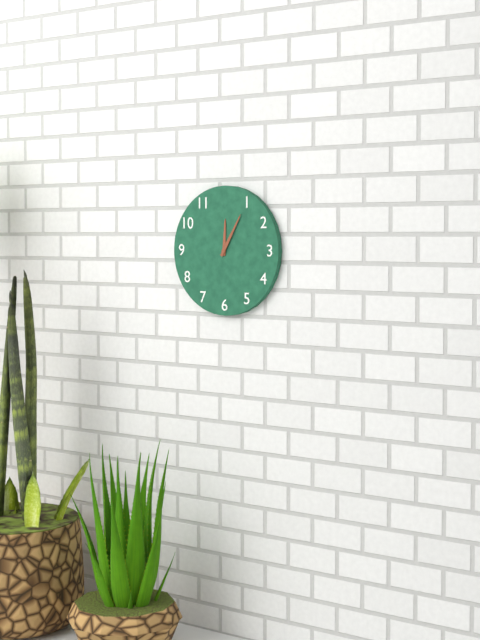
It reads 12 h 05 min
